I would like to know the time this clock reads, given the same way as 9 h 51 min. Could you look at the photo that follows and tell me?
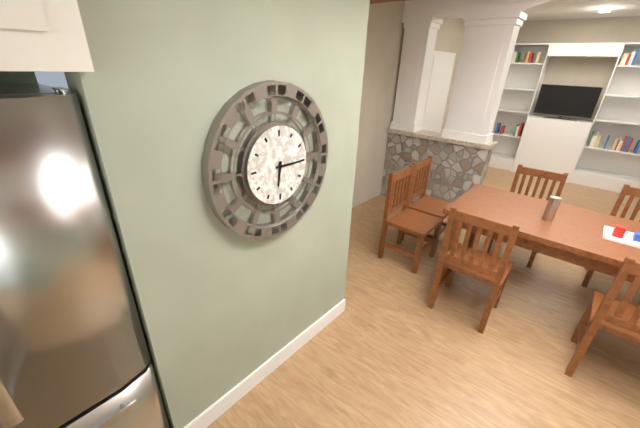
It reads 6 h 15 min
